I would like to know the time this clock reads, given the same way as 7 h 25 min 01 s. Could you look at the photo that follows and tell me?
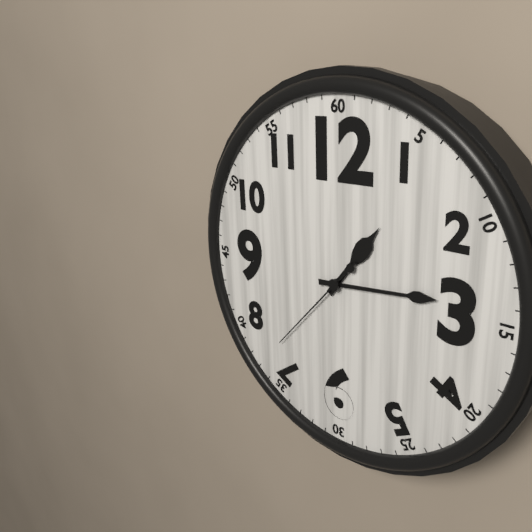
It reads 1 h 14 min 37 s
